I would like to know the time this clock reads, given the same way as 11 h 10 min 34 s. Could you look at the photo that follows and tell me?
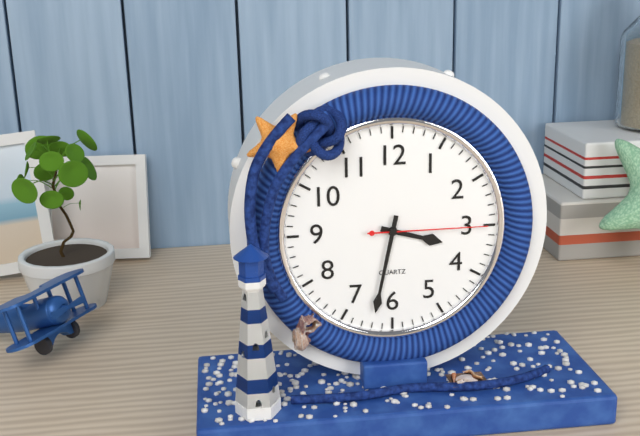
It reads 3 h 32 min 15 s
